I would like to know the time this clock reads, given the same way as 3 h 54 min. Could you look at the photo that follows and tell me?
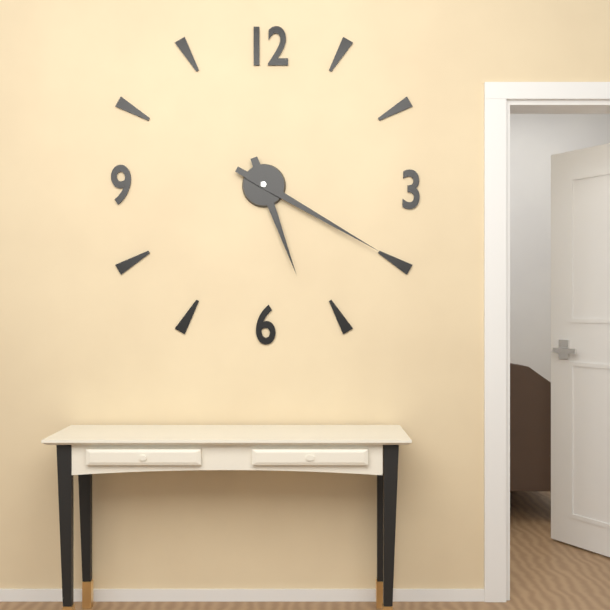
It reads 5 h 20 min
